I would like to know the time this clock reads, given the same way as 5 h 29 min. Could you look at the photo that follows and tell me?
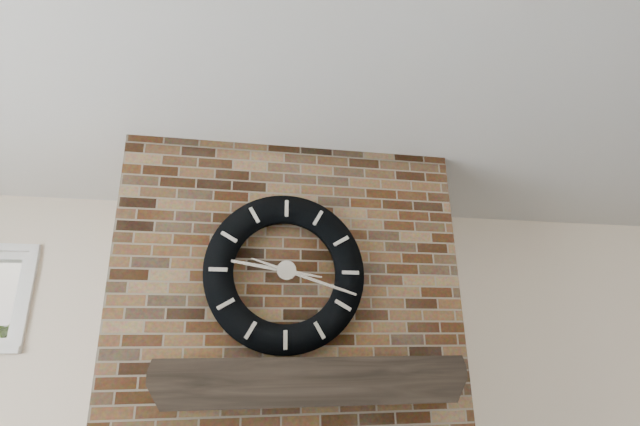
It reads 9 h 18 min
